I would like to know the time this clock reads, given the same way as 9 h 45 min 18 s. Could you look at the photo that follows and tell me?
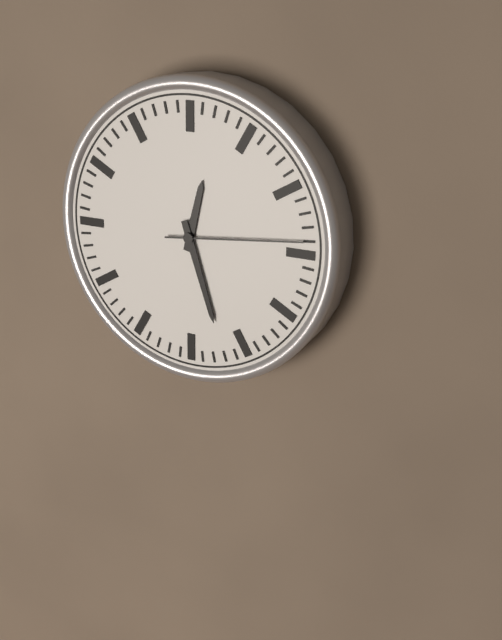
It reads 12 h 27 min 14 s
